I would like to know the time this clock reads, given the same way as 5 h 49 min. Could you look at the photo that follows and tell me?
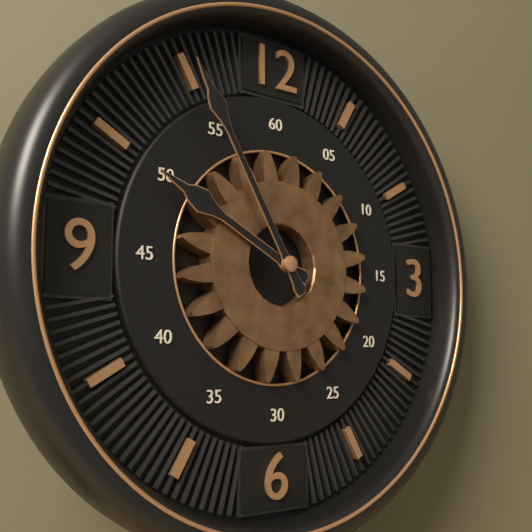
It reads 9 h 55 min
